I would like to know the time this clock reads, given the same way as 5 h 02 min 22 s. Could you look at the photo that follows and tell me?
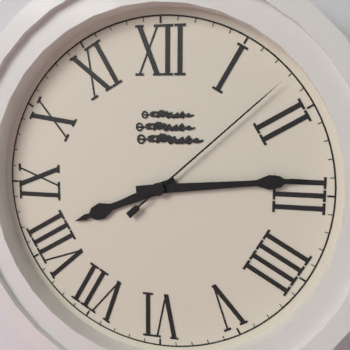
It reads 8 h 14 min 08 s
